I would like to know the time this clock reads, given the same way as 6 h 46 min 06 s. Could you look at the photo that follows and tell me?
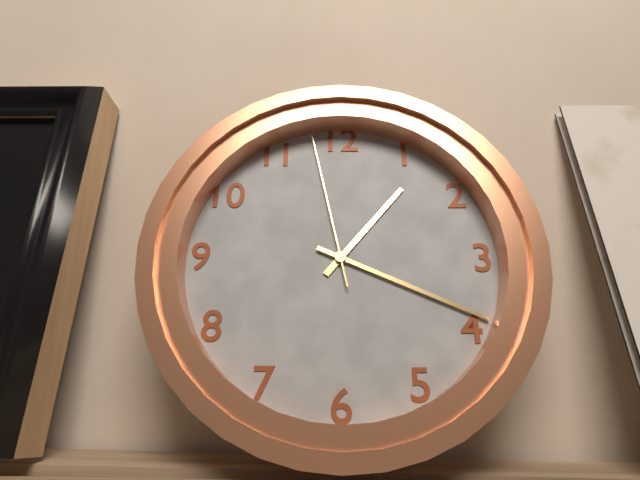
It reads 1 h 19 min 58 s
